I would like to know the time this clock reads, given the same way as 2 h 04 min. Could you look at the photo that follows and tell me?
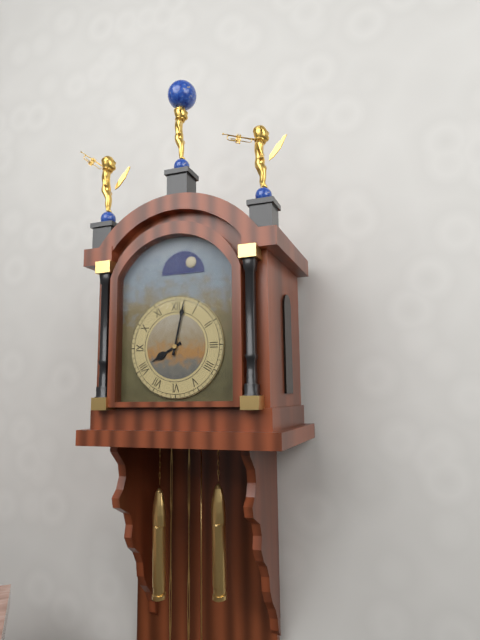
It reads 8 h 02 min
